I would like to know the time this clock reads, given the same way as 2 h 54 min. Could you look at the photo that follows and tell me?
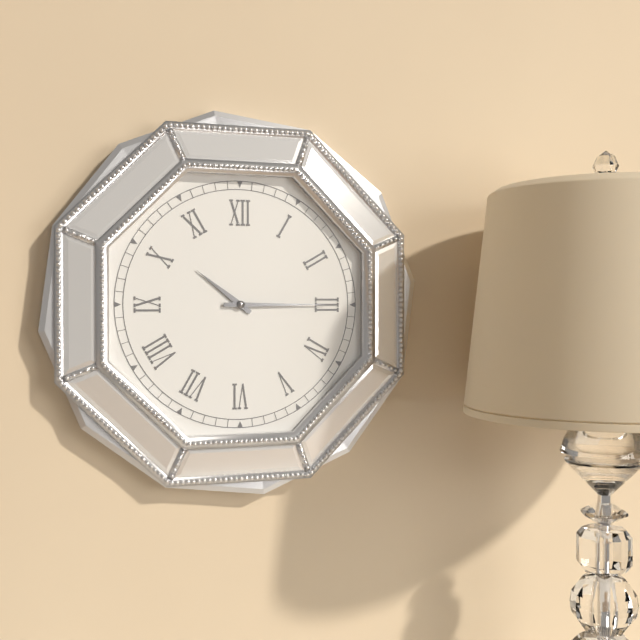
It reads 10 h 15 min
